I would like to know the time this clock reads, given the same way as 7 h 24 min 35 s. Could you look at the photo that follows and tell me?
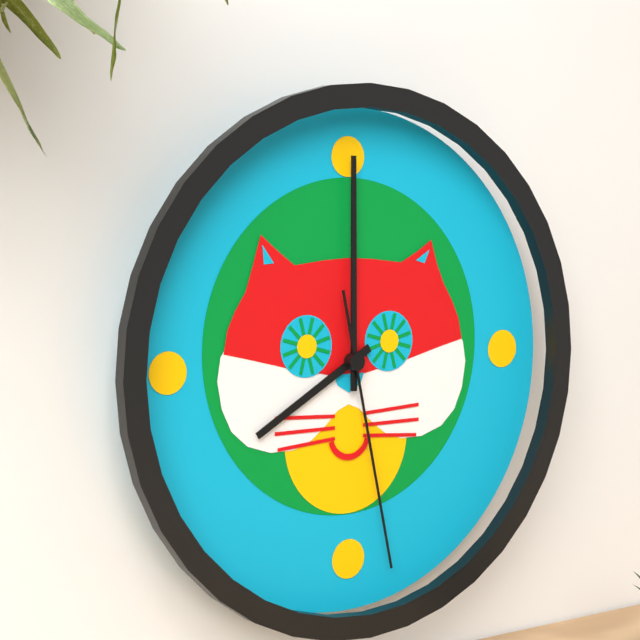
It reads 8 h 00 min 28 s
